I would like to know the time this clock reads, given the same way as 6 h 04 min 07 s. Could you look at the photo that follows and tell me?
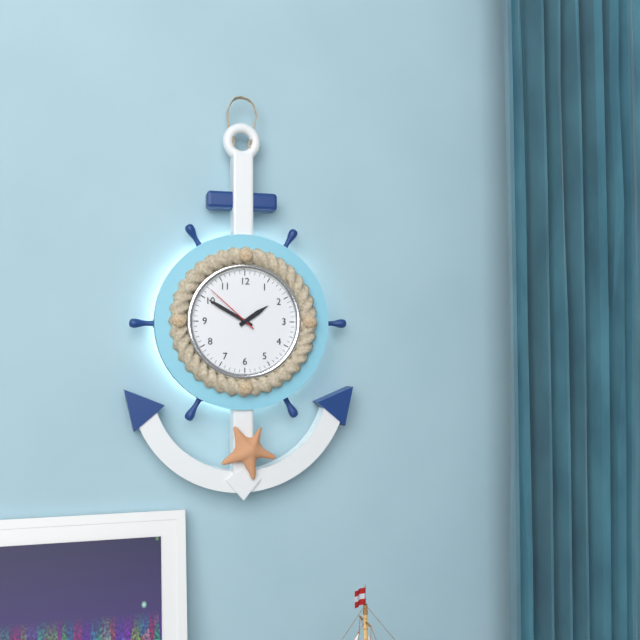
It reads 1 h 50 min 52 s
